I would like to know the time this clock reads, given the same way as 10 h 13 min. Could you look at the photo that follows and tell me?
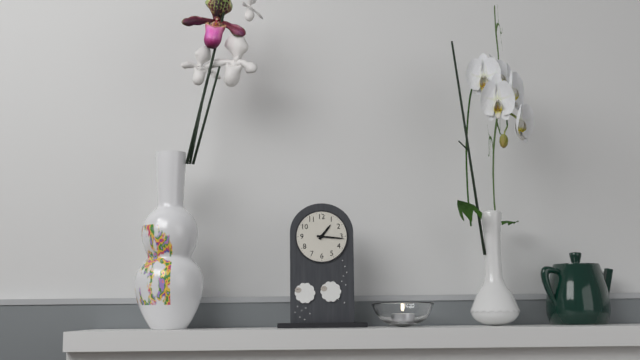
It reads 1 h 16 min
